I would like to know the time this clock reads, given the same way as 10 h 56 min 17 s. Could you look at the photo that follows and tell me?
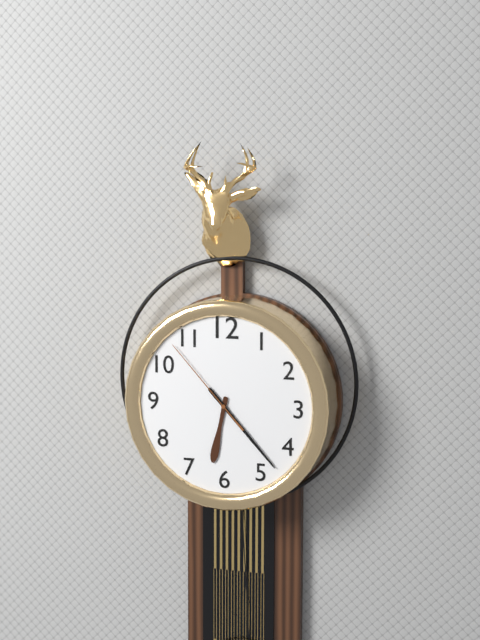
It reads 6 h 23 min 53 s
